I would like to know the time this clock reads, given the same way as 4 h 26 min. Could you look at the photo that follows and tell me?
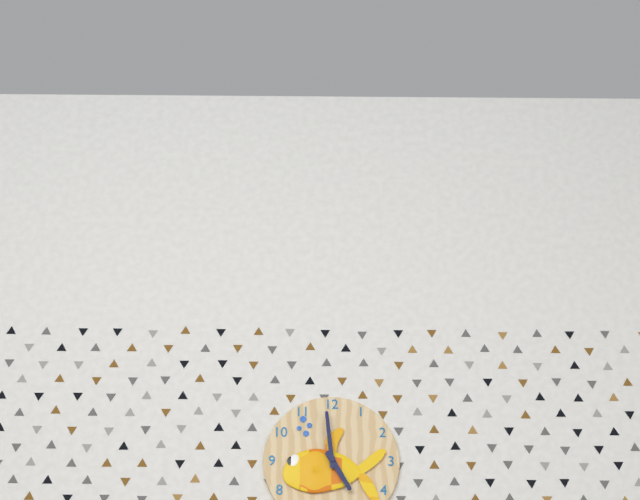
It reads 4 h 59 min
